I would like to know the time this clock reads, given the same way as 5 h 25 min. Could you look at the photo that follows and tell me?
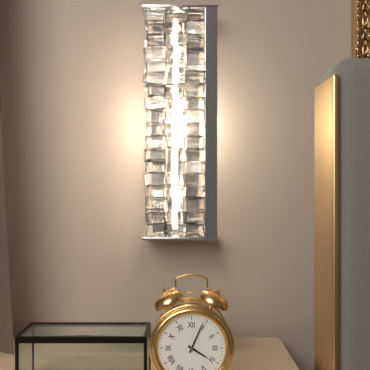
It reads 4 h 04 min
